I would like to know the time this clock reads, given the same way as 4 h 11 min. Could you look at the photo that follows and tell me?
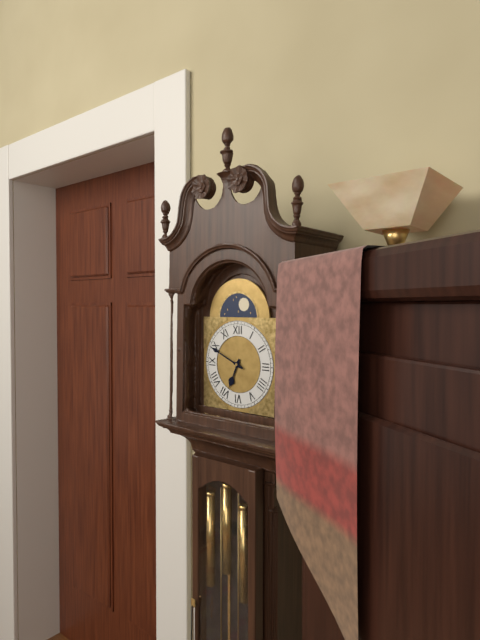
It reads 6 h 49 min
